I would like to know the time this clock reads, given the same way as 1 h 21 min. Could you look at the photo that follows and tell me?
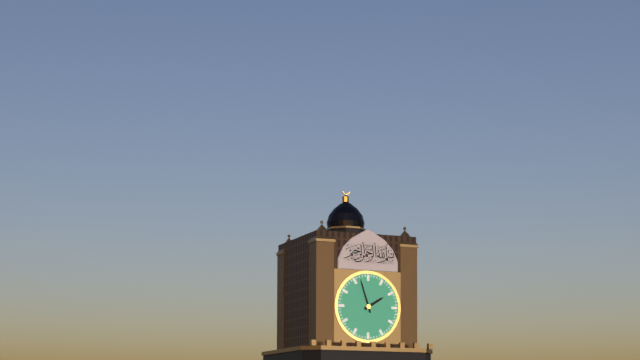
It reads 1 h 57 min
